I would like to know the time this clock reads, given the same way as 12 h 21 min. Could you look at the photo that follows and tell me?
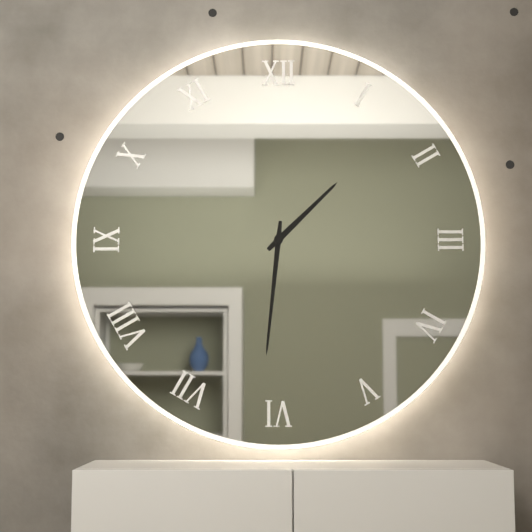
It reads 1 h 31 min
